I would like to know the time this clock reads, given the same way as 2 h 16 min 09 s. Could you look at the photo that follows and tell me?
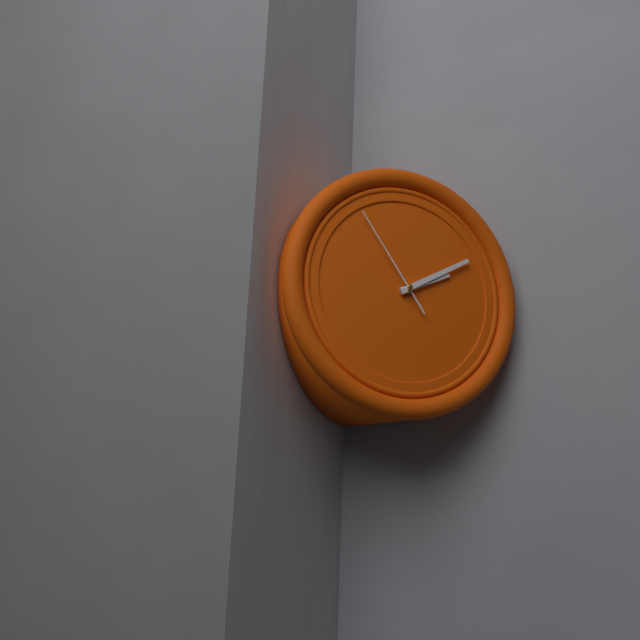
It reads 2 h 10 min 54 s
